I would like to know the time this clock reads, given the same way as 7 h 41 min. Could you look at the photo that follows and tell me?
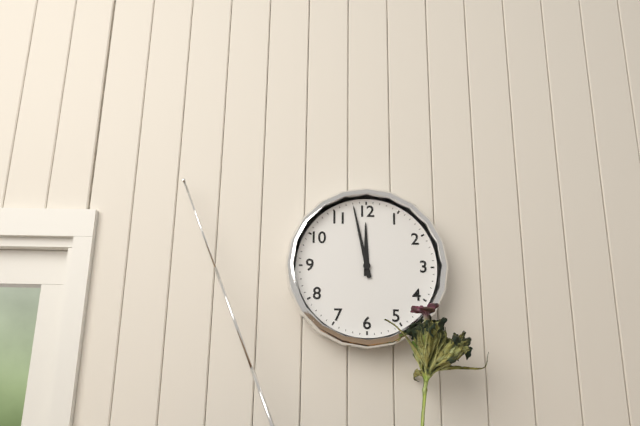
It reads 11 h 58 min
